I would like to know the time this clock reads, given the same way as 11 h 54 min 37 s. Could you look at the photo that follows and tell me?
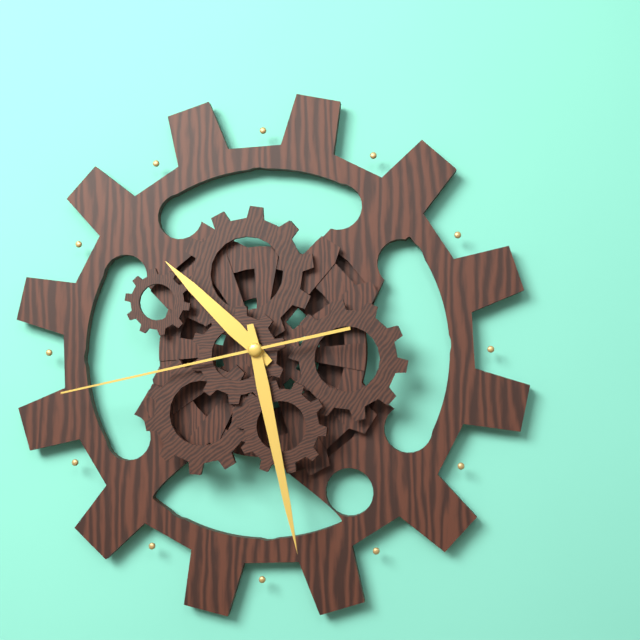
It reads 10 h 28 min 43 s
